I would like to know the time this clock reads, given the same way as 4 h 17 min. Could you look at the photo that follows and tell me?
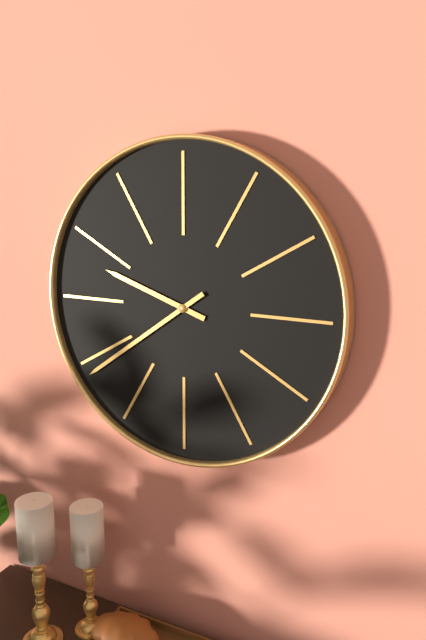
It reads 9 h 39 min
